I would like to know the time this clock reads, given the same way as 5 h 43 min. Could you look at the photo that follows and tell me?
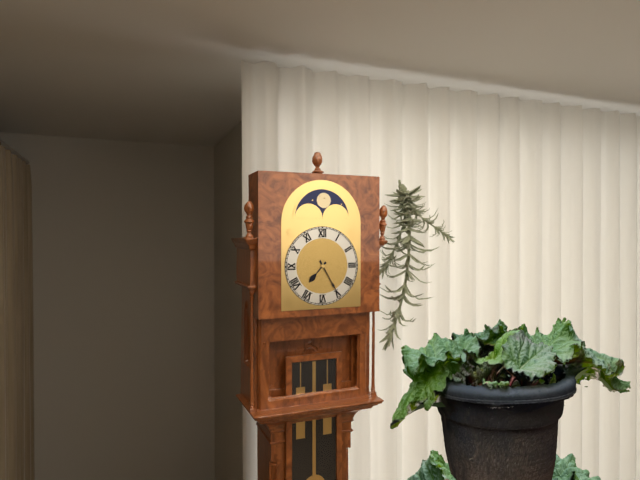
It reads 7 h 25 min
